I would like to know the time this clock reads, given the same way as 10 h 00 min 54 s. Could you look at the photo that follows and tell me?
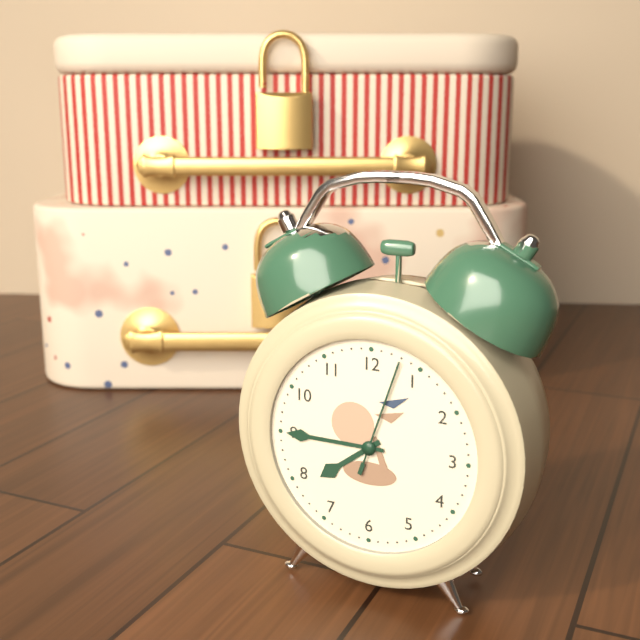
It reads 7 h 45 min 03 s
